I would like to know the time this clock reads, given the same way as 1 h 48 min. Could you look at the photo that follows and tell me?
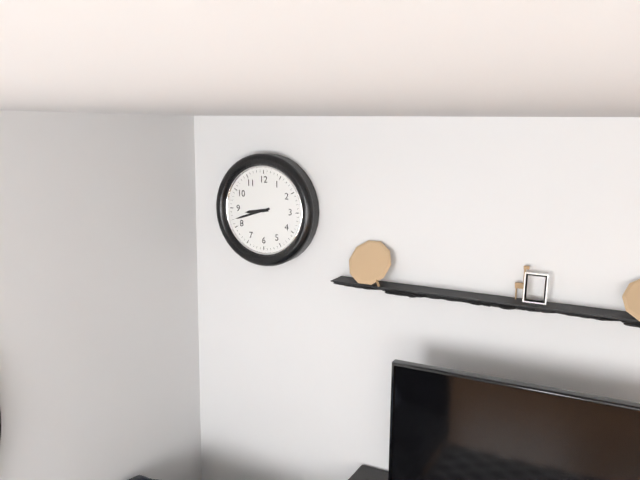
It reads 8 h 42 min
